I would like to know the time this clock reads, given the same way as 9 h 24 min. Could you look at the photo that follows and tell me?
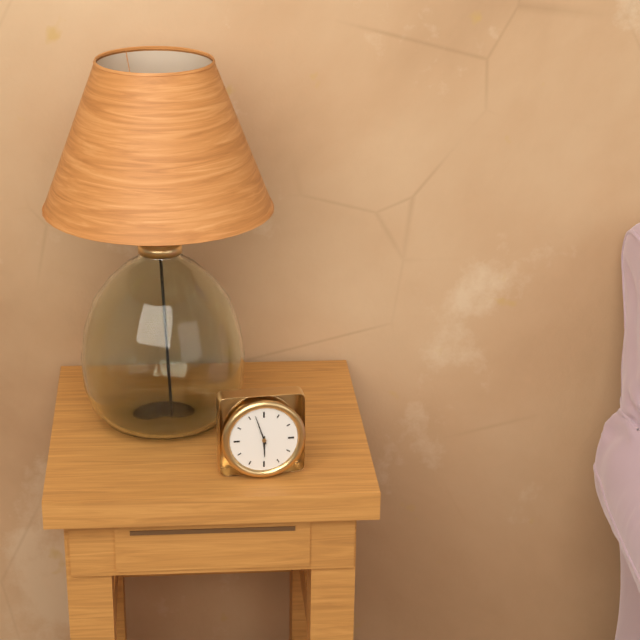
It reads 5 h 57 min
